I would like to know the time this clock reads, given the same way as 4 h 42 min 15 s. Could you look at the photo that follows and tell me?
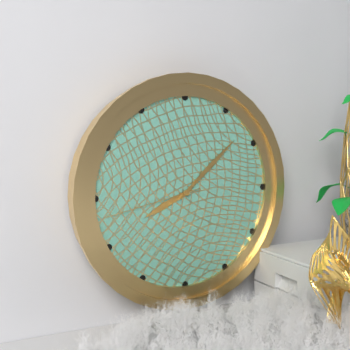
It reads 8 h 08 min 43 s
